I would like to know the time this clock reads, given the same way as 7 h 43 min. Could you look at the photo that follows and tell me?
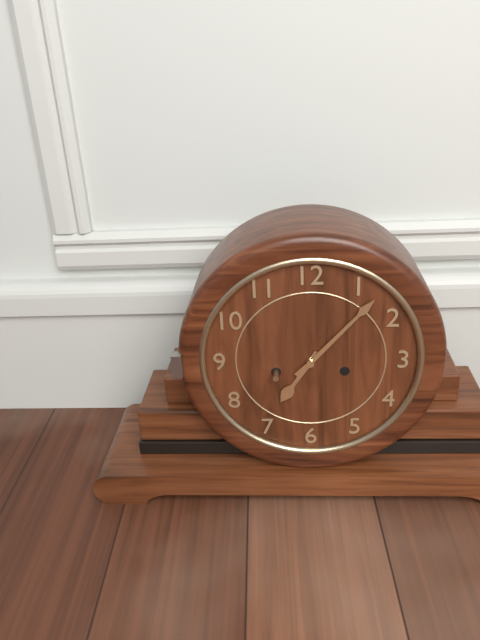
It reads 7 h 07 min
